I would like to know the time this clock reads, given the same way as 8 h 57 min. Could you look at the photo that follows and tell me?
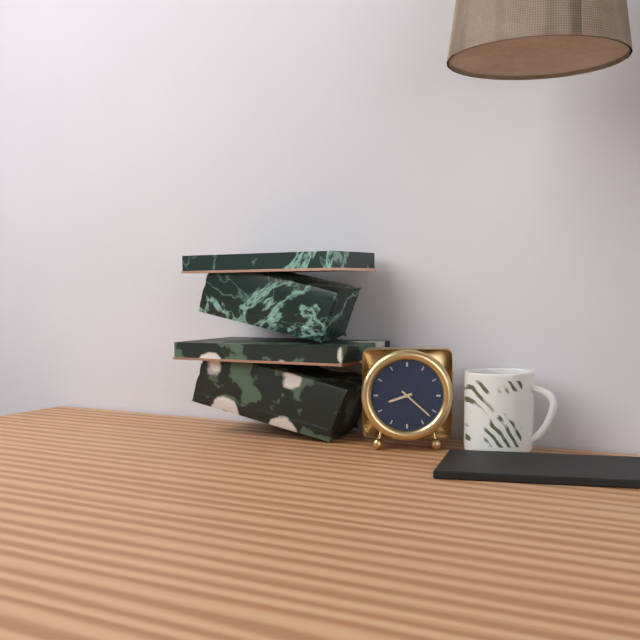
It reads 8 h 22 min
